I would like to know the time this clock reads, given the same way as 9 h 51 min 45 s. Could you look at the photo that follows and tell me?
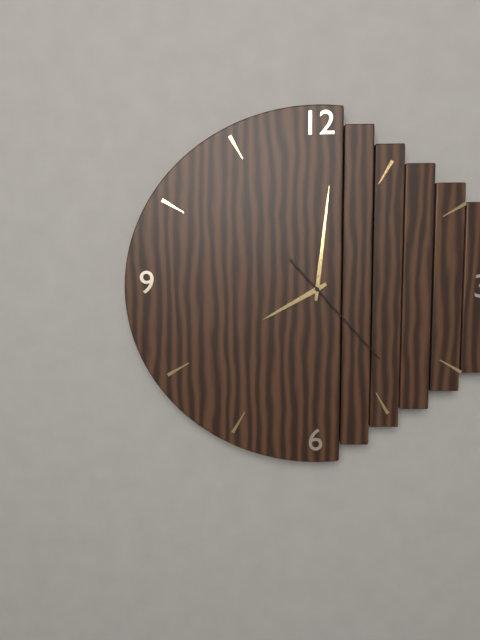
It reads 8 h 01 min 23 s
